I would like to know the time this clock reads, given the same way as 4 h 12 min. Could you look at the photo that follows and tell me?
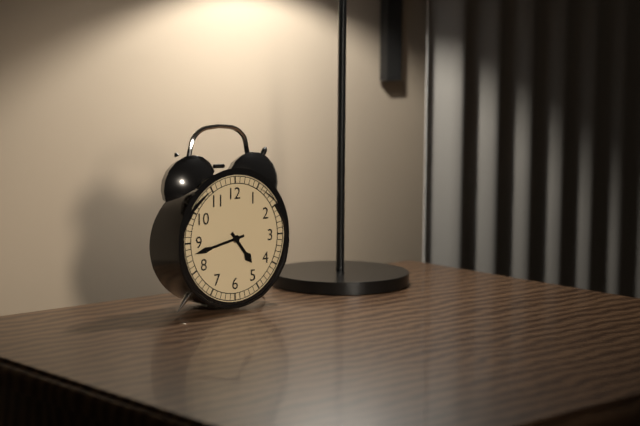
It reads 4 h 43 min
